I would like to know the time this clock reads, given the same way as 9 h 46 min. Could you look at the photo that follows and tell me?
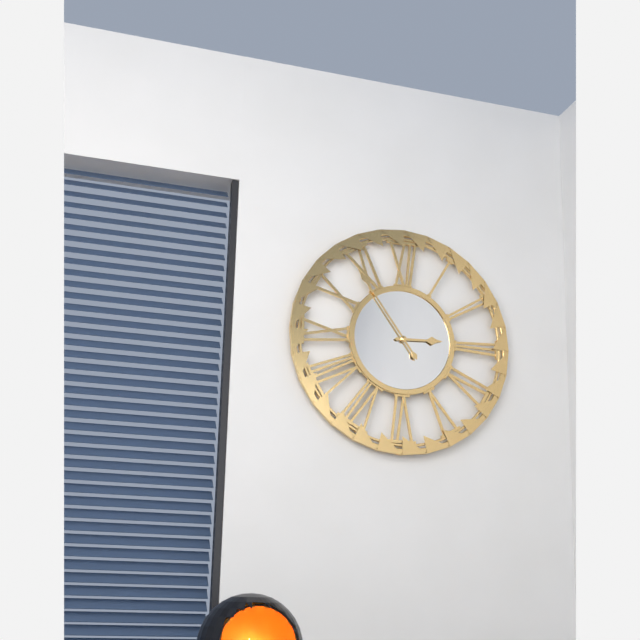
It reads 2 h 54 min
